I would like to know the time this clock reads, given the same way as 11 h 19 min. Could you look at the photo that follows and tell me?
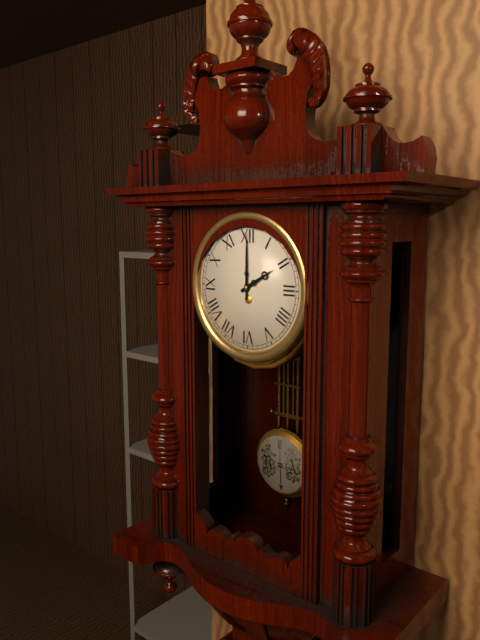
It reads 2 h 00 min
